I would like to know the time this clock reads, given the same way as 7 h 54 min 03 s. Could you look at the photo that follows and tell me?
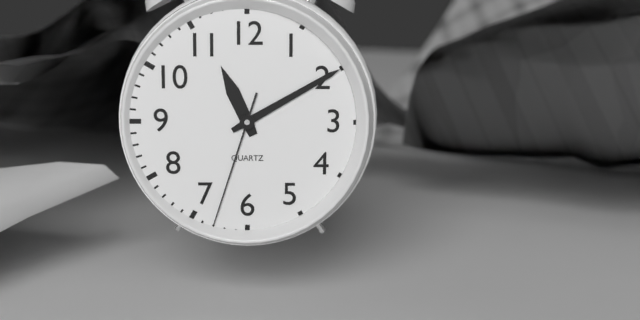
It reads 11 h 10 min 33 s
